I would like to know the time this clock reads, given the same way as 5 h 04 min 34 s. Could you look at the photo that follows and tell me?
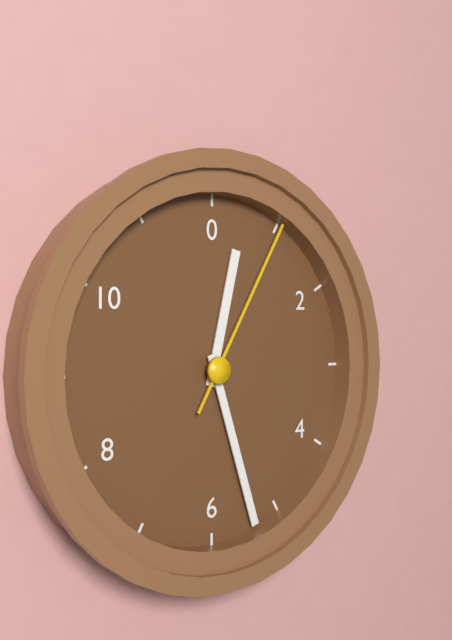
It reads 12 h 27 min 05 s
